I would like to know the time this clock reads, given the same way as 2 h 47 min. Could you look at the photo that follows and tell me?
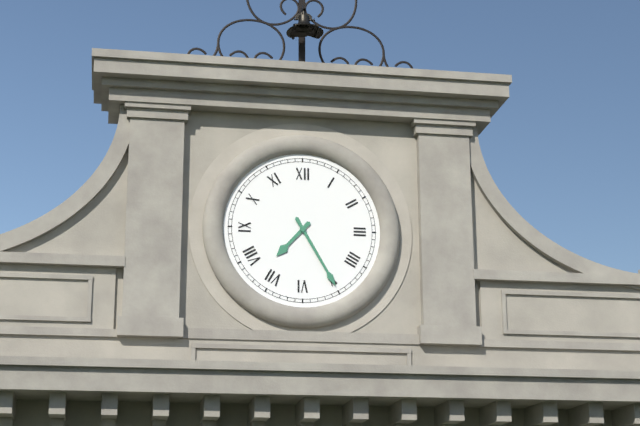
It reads 7 h 25 min
